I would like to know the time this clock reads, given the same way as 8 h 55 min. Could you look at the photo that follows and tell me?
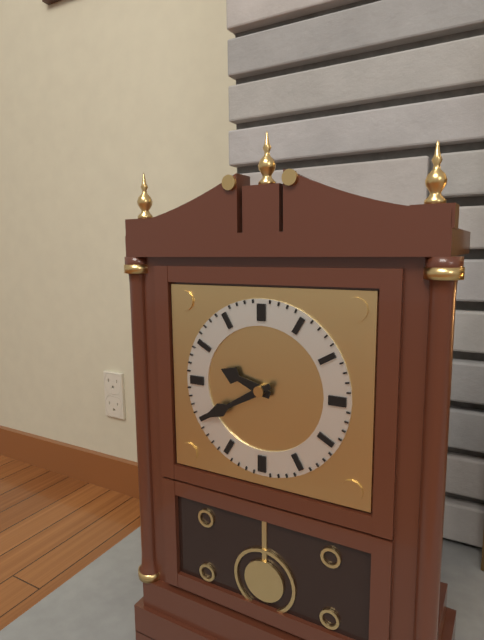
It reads 9 h 40 min
